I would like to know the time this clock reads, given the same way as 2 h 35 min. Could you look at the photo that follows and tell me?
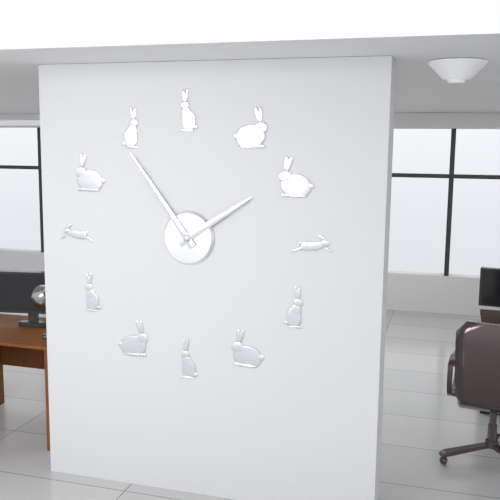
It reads 1 h 54 min
